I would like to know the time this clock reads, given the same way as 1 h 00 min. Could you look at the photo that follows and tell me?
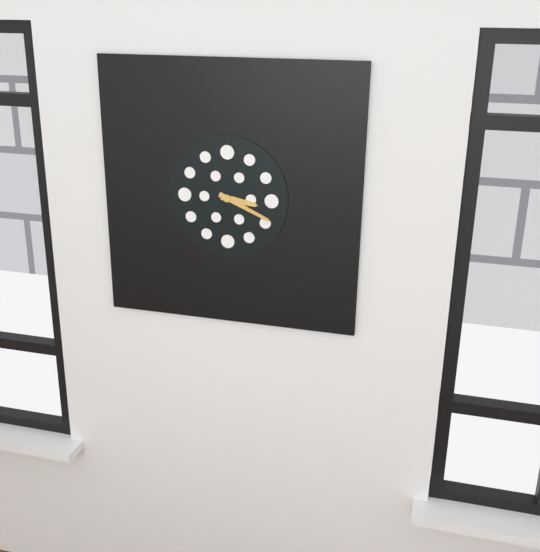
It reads 3 h 19 min
